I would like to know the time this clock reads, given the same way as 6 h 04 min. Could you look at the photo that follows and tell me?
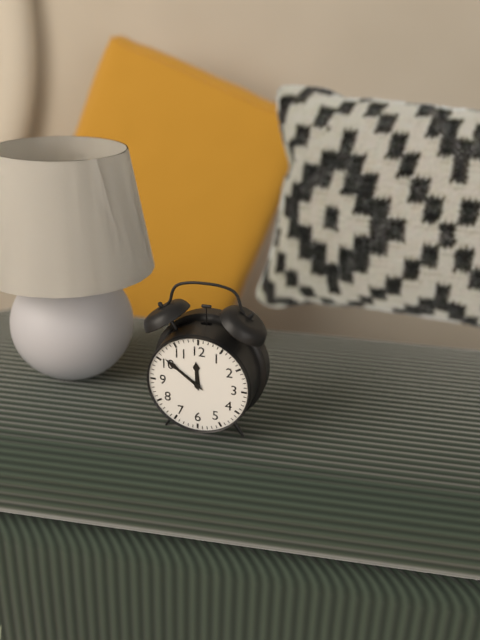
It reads 11 h 51 min
